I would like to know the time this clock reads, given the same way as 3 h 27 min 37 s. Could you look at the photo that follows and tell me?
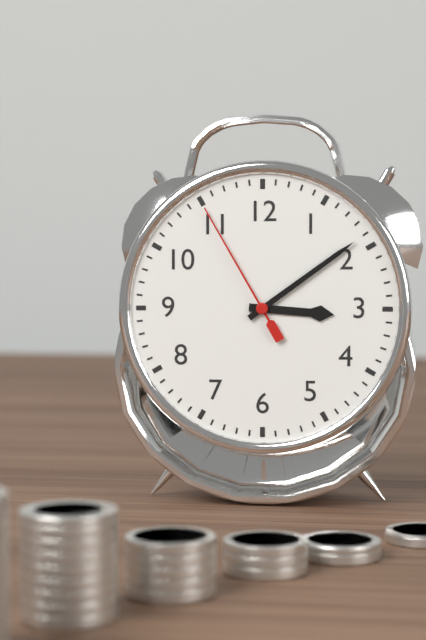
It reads 3 h 09 min 55 s
